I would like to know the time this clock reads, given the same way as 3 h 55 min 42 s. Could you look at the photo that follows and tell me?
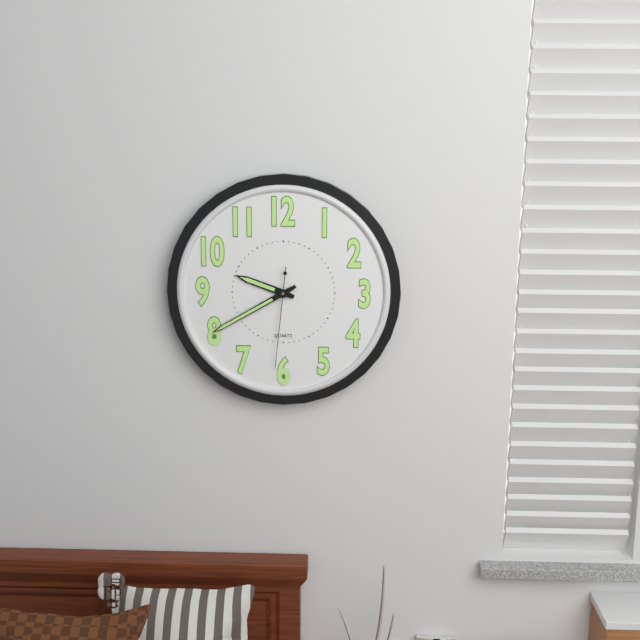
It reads 9 h 40 min 31 s
